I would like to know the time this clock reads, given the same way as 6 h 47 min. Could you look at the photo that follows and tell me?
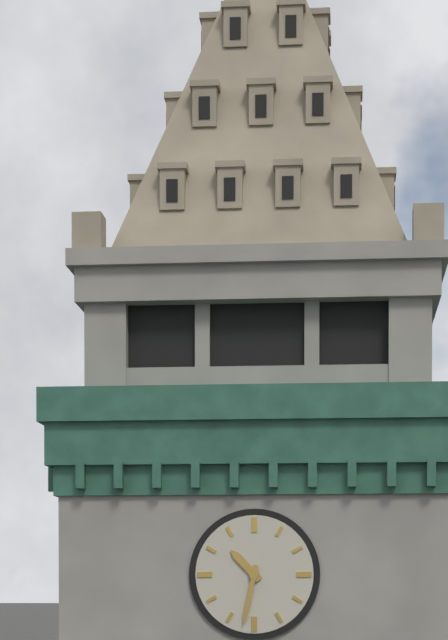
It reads 10 h 32 min
